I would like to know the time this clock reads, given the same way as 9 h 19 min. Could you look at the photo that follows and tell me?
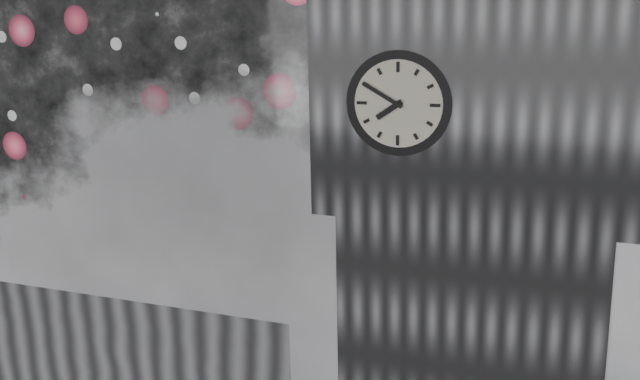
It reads 7 h 50 min
